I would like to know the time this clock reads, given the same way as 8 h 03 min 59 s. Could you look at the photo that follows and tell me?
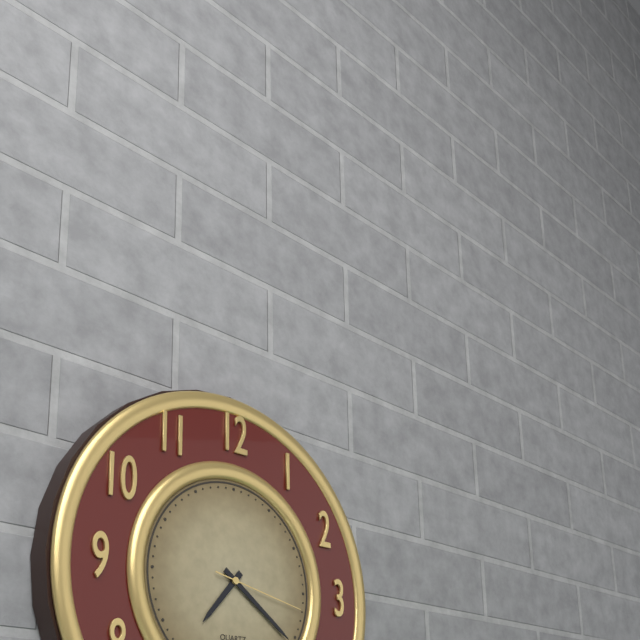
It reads 7 h 21 min 17 s
